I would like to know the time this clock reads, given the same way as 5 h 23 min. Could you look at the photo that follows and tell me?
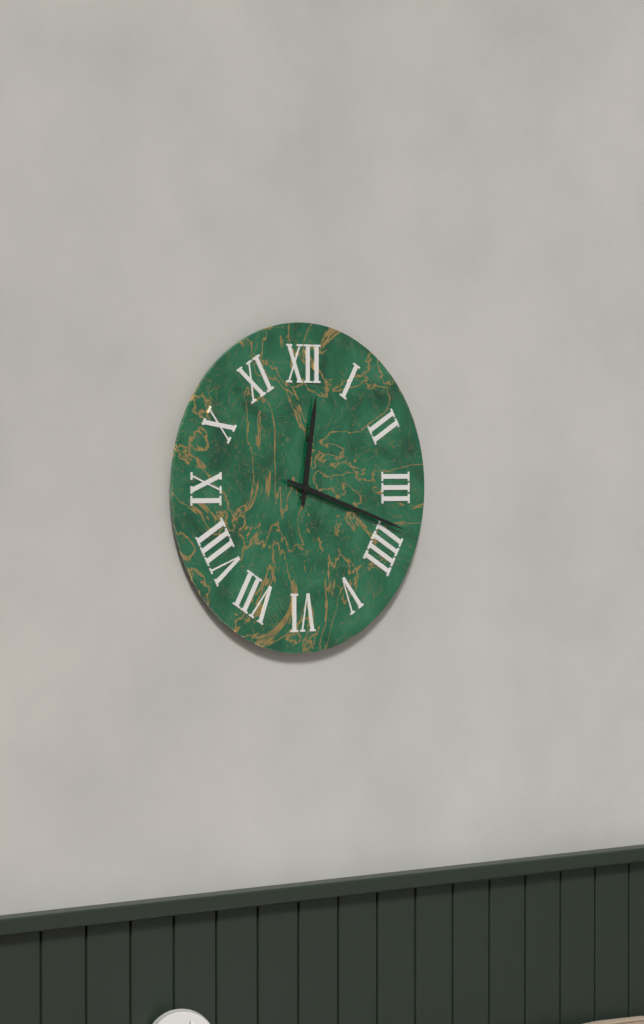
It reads 12 h 18 min
